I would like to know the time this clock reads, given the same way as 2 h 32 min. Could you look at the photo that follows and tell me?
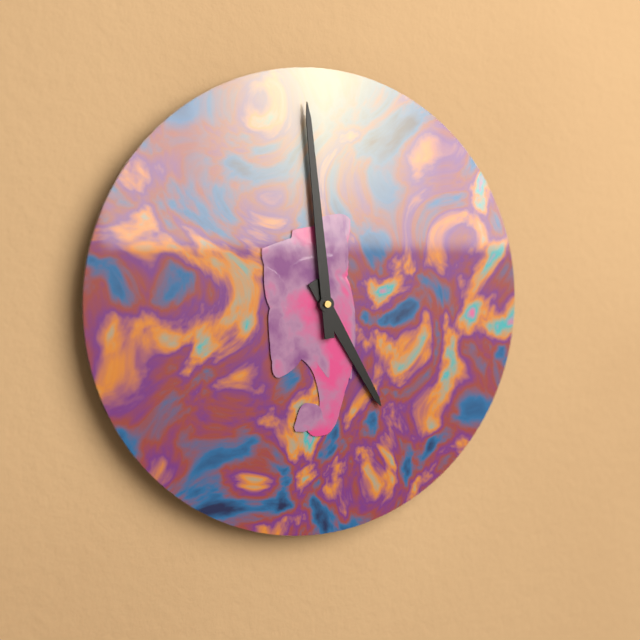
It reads 4 h 59 min
